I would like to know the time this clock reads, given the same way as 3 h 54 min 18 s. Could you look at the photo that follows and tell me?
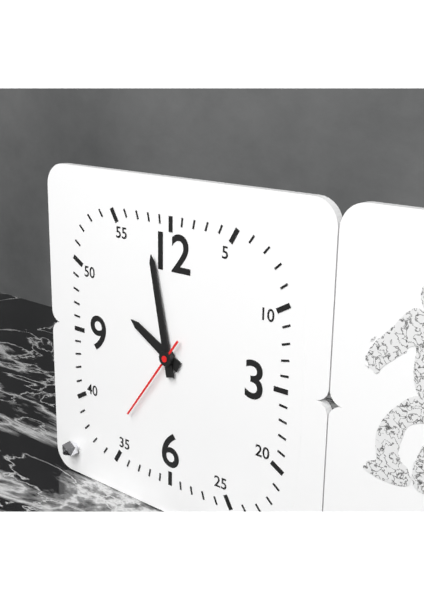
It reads 9 h 58 min 36 s
